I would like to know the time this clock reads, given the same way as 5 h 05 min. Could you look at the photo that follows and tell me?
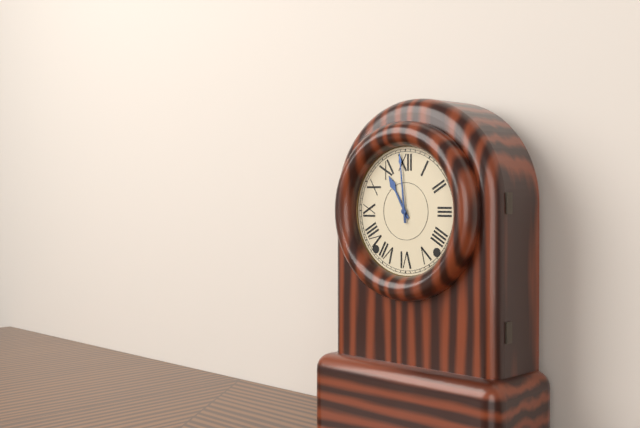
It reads 10 h 59 min
